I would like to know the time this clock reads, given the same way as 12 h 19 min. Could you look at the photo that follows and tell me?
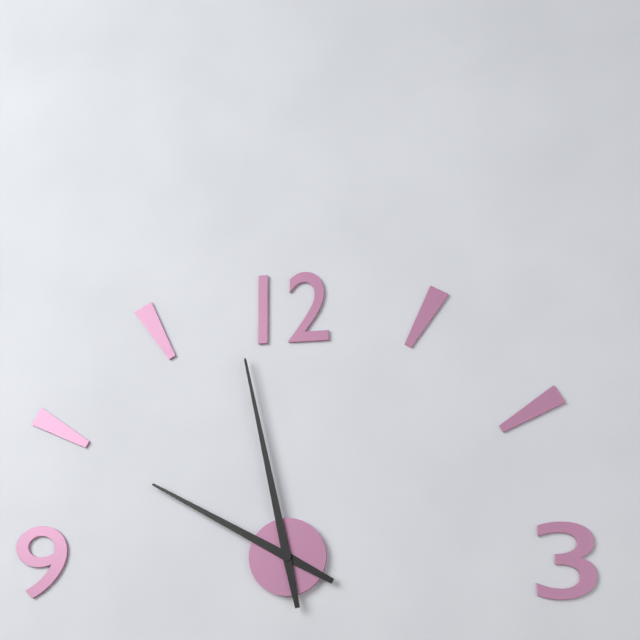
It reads 9 h 58 min
